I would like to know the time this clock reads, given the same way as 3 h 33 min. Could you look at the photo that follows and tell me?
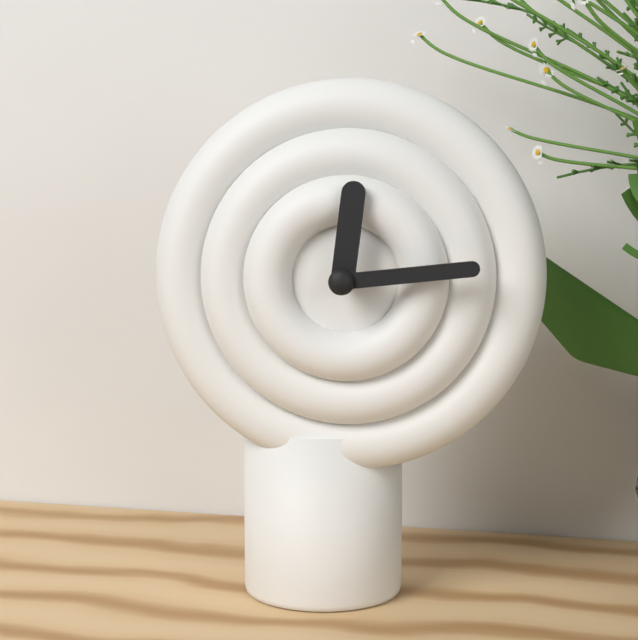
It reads 12 h 14 min
